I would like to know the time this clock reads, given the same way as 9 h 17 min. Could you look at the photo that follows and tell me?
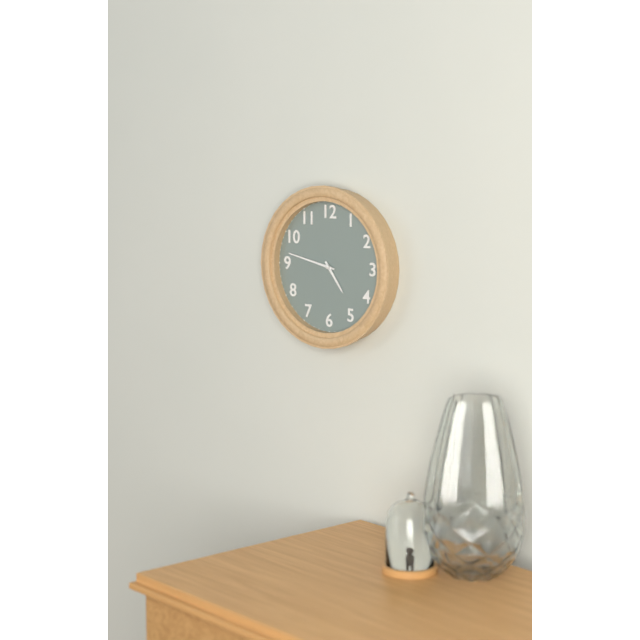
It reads 4 h 47 min
